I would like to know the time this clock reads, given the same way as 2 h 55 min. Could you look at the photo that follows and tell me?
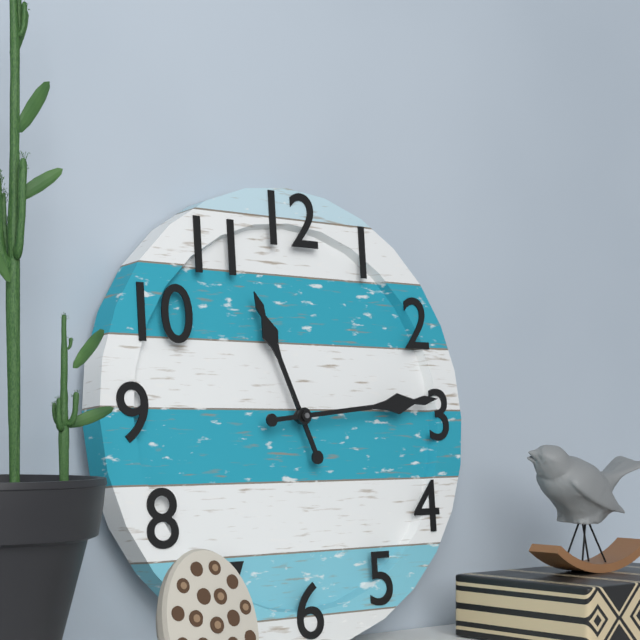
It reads 11 h 14 min
